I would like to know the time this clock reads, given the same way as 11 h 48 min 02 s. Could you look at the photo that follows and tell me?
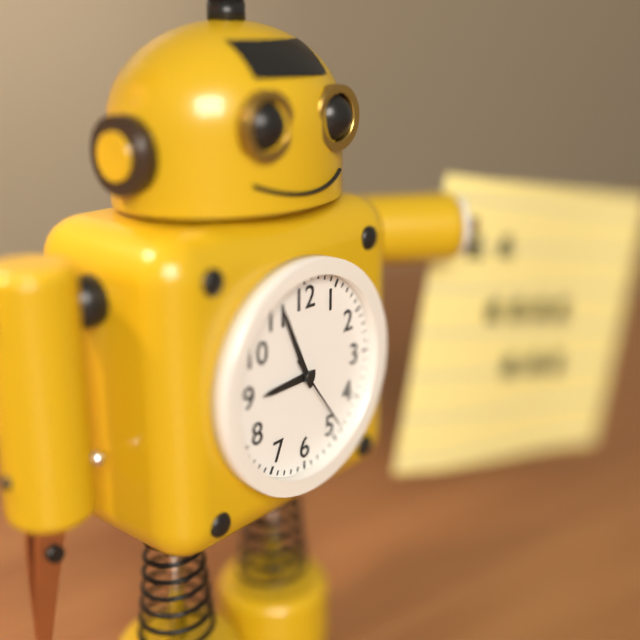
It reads 8 h 56 min 24 s
